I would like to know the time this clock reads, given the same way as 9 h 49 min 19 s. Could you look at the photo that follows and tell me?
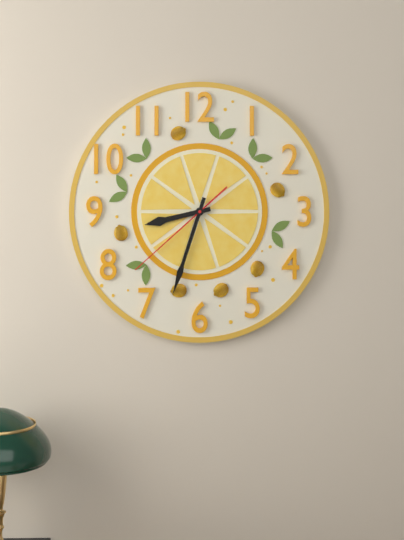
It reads 8 h 33 min 38 s
